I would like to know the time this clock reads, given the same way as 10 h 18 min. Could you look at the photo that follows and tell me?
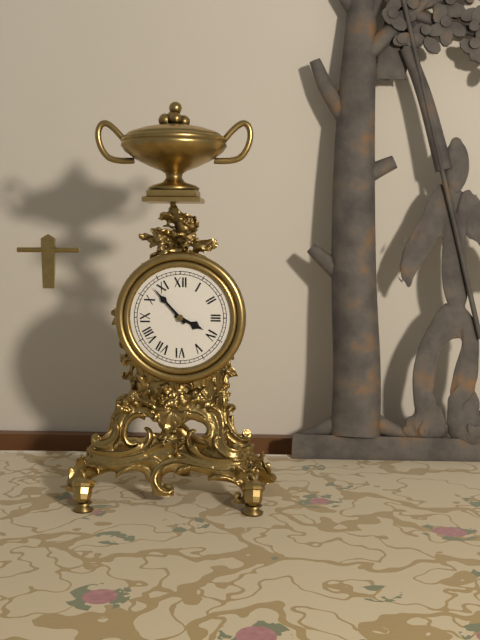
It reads 3 h 53 min
